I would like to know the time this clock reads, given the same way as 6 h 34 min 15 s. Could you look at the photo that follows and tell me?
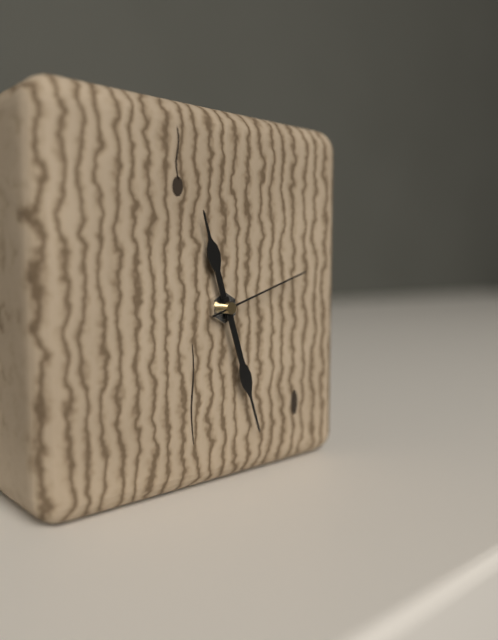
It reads 11 h 27 min 12 s
